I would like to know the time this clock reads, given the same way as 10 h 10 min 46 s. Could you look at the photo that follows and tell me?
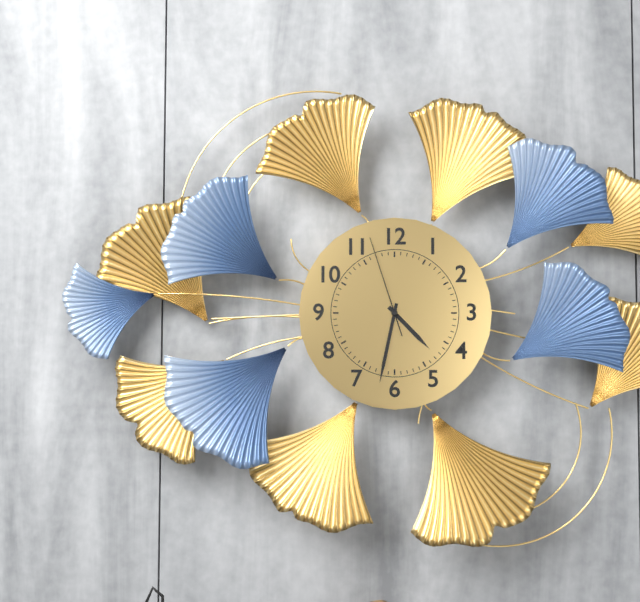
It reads 4 h 32 min 57 s
